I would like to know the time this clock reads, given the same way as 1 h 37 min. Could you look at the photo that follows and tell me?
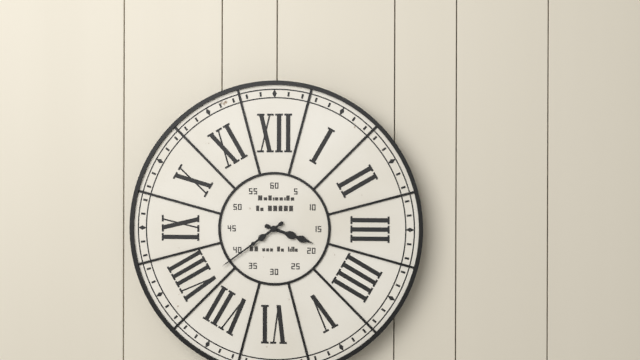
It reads 3 h 39 min
